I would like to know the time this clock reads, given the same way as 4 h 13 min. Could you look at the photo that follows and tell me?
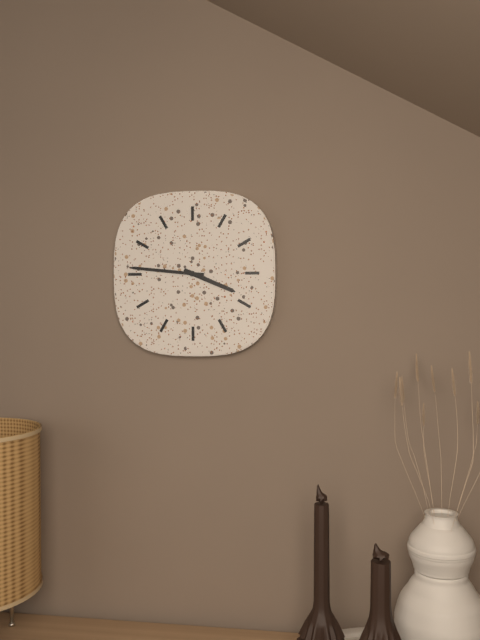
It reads 3 h 46 min
